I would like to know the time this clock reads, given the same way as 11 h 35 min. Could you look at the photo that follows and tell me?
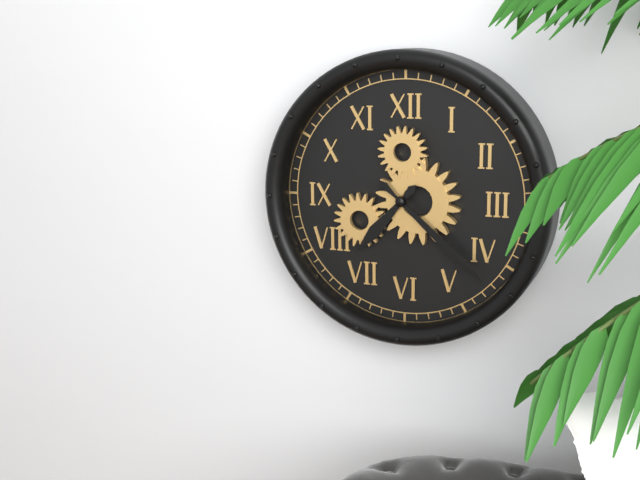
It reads 7 h 22 min
